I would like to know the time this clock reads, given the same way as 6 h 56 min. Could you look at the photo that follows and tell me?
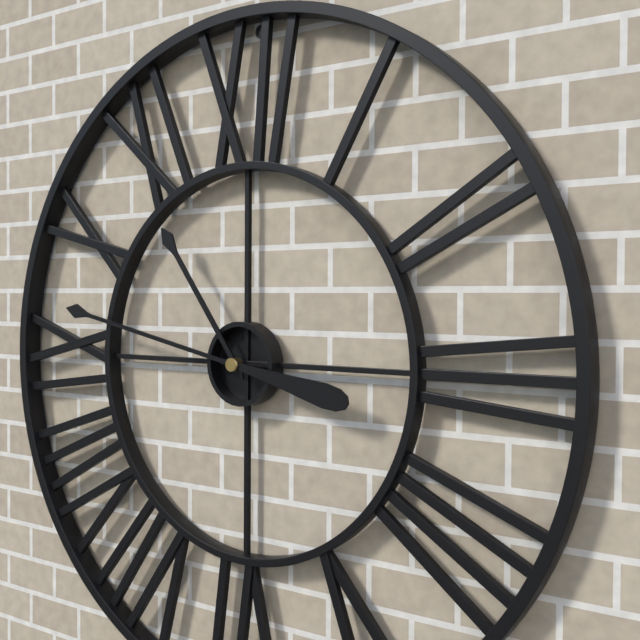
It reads 10 h 47 min
